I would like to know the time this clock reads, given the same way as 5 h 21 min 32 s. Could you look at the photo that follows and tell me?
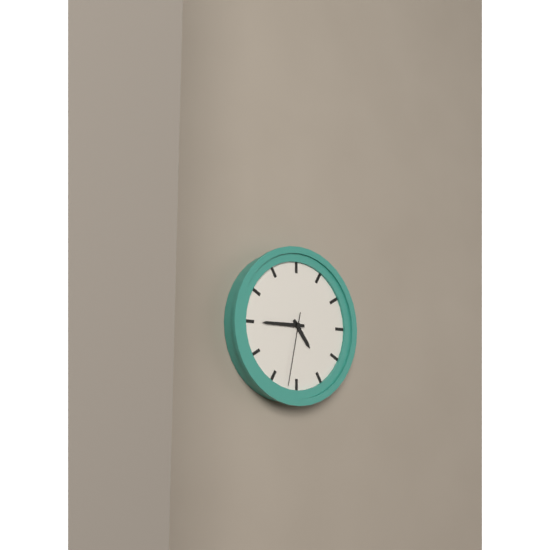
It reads 4 h 45 min 32 s
